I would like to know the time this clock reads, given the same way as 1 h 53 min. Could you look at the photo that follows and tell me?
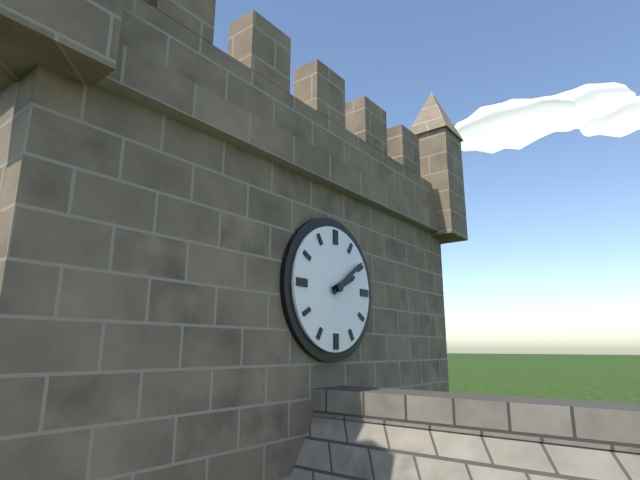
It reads 2 h 09 min
